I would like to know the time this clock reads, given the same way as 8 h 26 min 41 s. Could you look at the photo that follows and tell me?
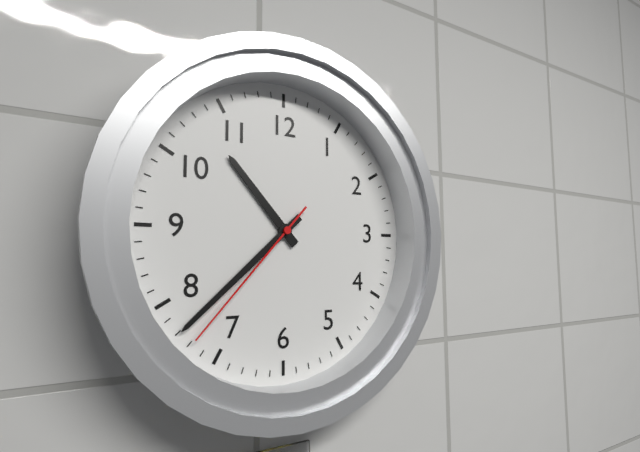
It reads 10 h 38 min 37 s
